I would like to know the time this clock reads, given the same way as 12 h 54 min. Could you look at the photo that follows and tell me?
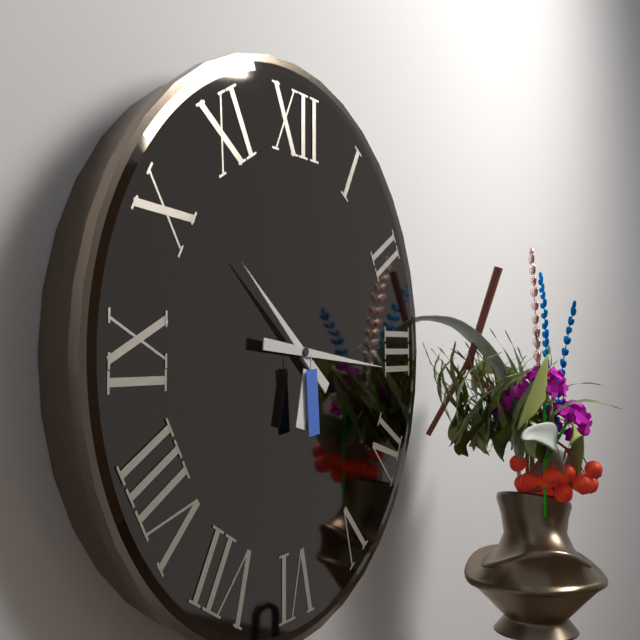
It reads 10 h 16 min
